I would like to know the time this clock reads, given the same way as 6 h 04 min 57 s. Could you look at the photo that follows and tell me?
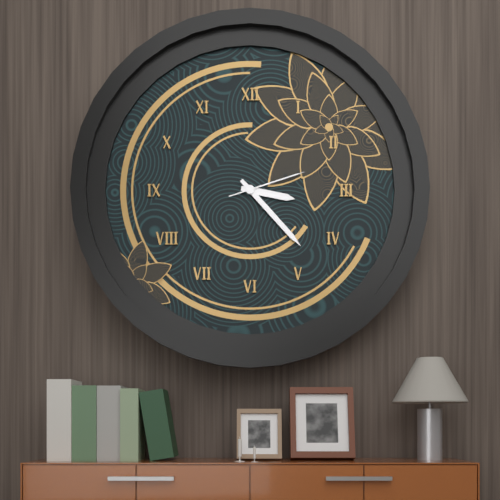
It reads 3 h 23 min 12 s
